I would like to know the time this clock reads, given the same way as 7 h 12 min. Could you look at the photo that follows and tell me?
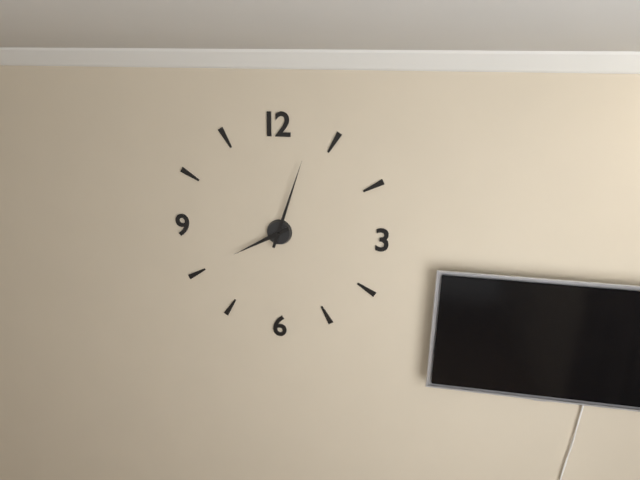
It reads 8 h 03 min
